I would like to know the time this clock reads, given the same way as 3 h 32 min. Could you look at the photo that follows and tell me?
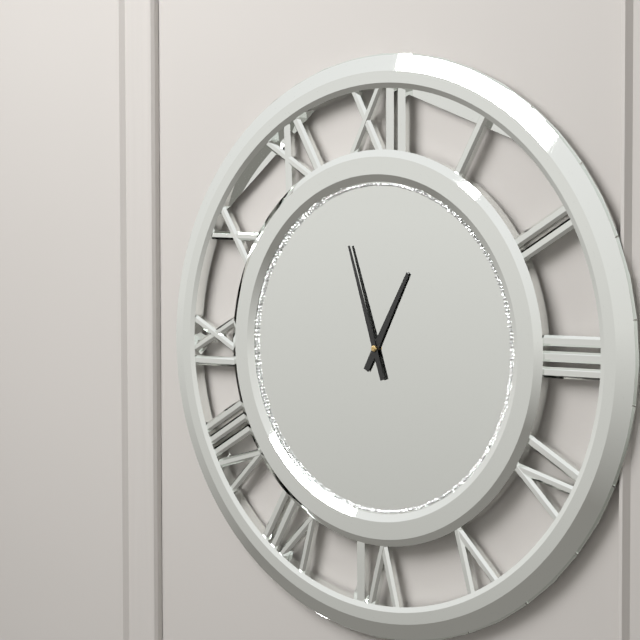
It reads 12 h 57 min
